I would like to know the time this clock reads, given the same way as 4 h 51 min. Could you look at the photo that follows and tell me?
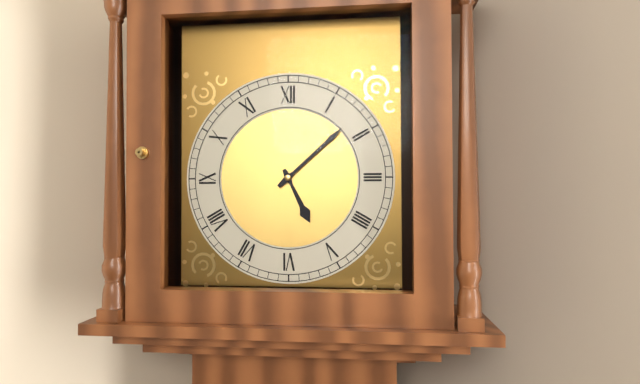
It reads 5 h 08 min
